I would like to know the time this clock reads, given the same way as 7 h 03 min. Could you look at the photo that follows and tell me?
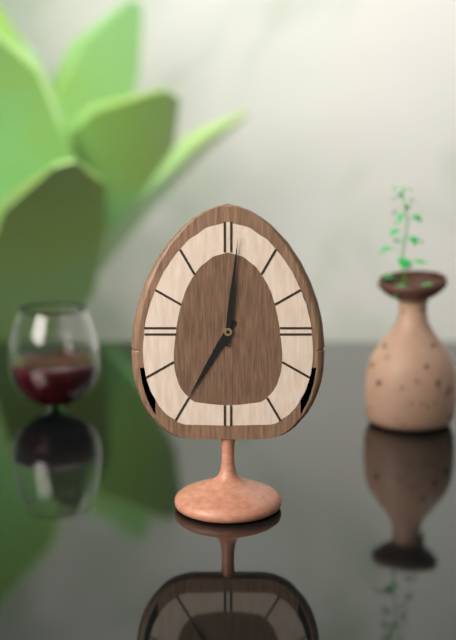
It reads 7 h 01 min
